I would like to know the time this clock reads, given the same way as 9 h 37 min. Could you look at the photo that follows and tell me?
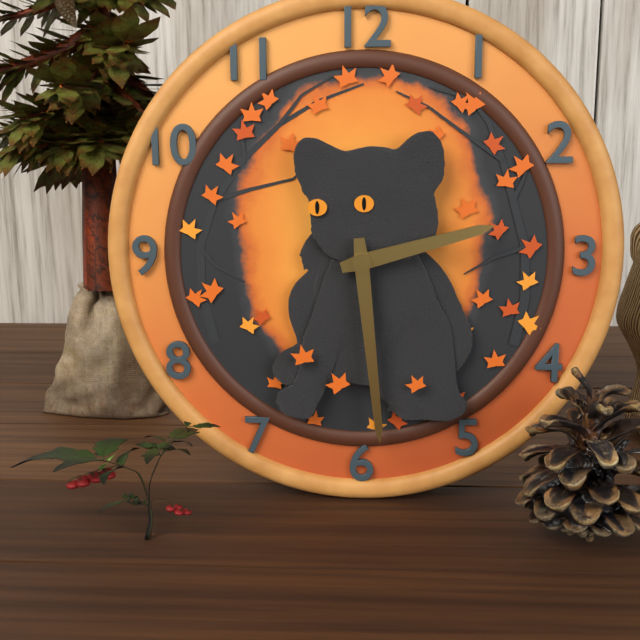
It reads 2 h 29 min
